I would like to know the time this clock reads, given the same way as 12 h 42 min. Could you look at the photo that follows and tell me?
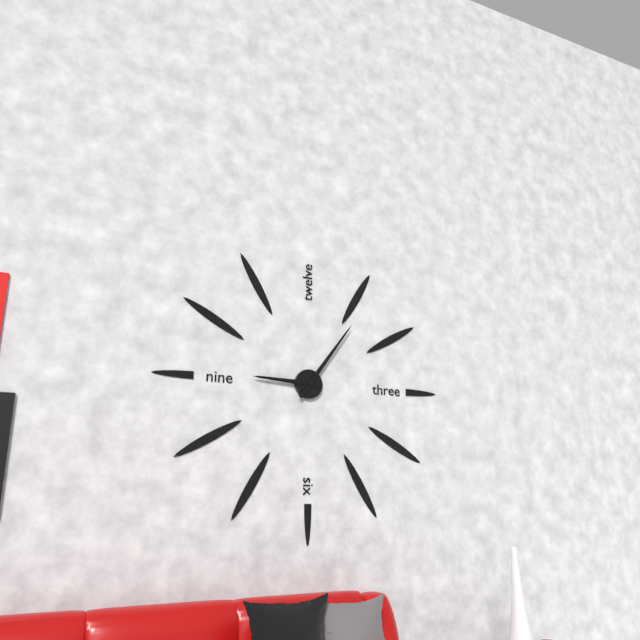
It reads 9 h 06 min
